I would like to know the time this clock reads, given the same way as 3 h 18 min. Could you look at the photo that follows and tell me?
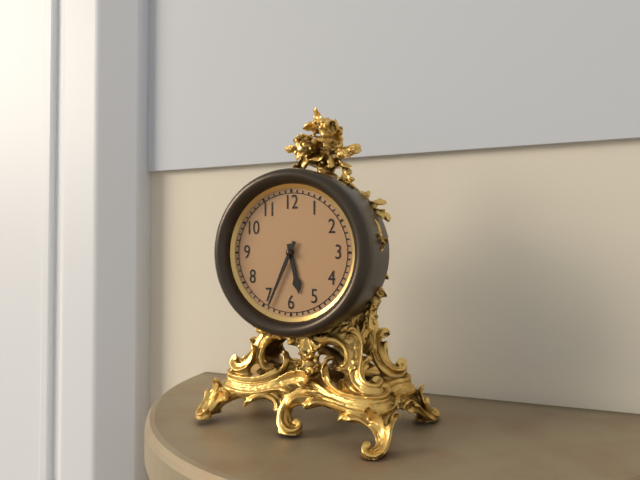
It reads 5 h 34 min
